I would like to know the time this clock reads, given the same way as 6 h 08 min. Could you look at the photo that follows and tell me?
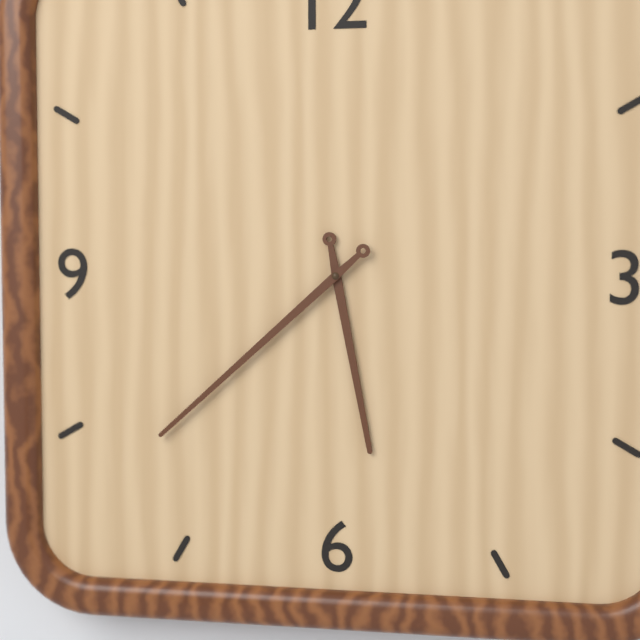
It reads 5 h 38 min
